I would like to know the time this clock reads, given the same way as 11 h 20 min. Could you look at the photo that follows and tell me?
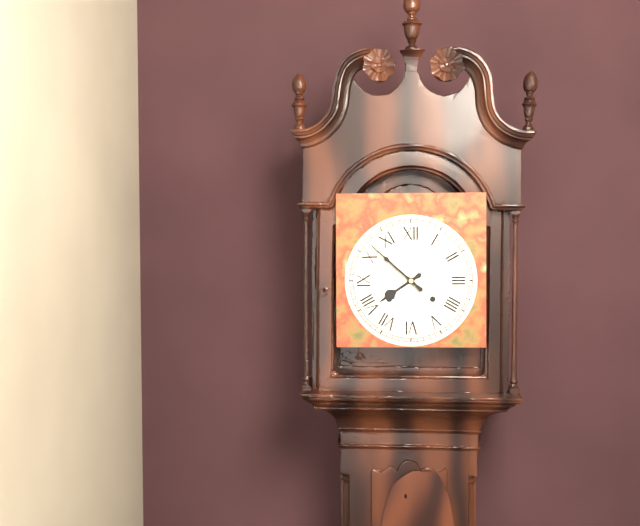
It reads 7 h 52 min
